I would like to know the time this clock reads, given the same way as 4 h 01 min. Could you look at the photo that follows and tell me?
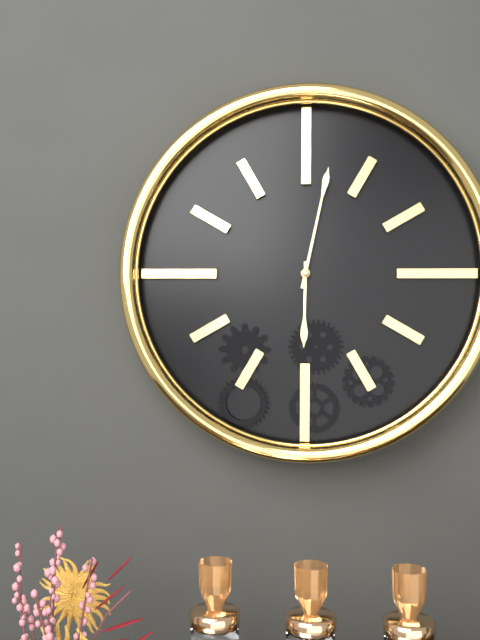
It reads 6 h 02 min
